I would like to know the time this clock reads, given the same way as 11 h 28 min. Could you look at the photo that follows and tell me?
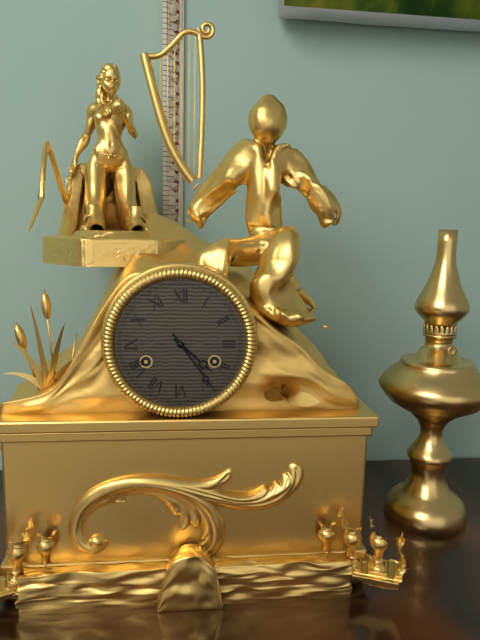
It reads 4 h 24 min
